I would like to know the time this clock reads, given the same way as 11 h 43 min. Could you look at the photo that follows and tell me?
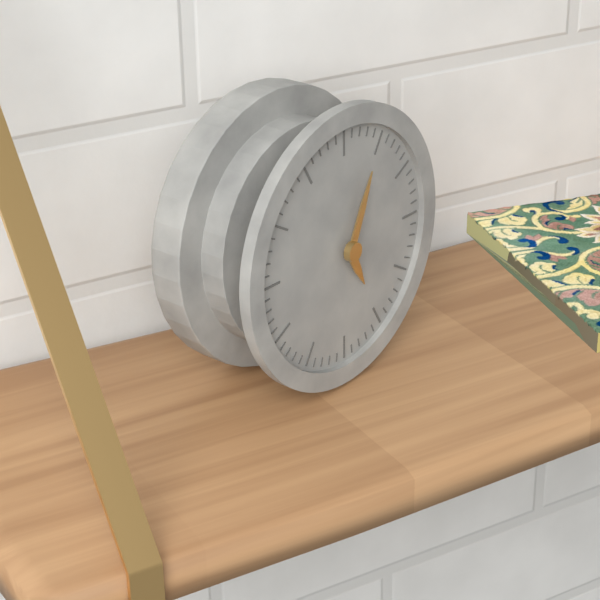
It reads 5 h 04 min
